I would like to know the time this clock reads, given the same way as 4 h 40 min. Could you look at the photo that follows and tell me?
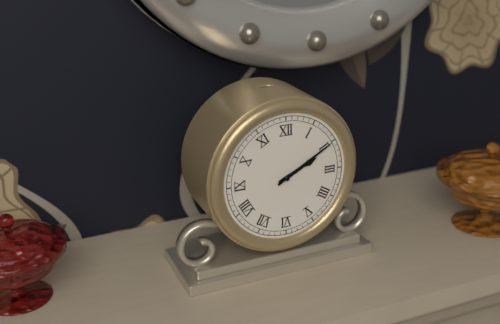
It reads 2 h 10 min
